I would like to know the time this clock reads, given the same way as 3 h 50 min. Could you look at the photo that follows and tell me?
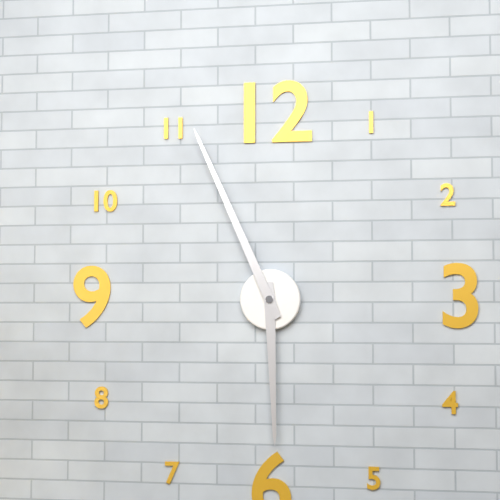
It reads 5 h 56 min
